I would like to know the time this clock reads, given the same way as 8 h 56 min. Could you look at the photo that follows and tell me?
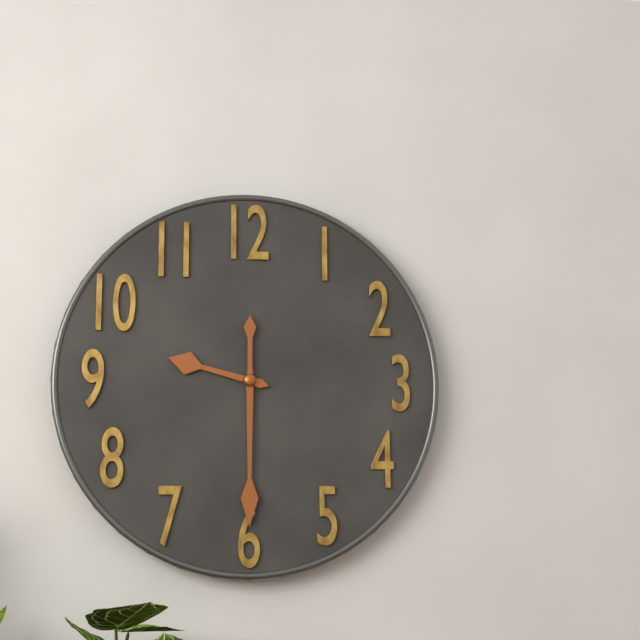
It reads 9 h 30 min
